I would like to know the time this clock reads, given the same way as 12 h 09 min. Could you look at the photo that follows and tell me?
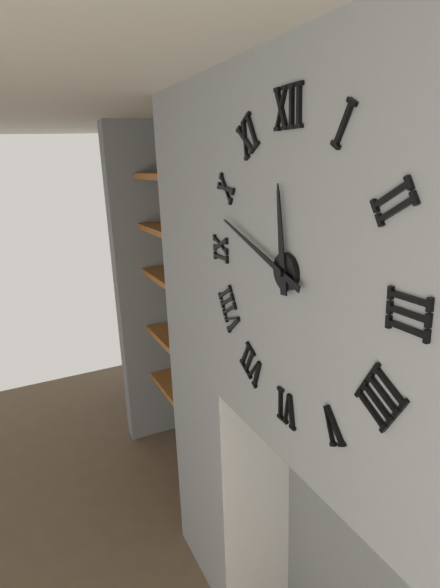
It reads 11 h 48 min
